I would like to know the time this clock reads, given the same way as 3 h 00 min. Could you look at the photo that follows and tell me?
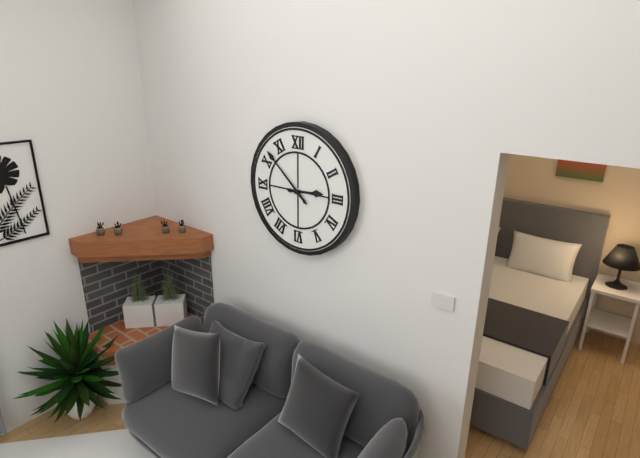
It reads 2 h 52 min
